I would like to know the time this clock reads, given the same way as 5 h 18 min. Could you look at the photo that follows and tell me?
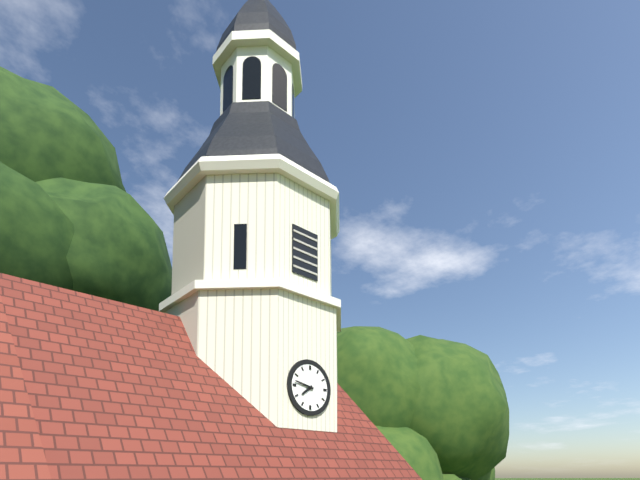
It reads 7 h 47 min
